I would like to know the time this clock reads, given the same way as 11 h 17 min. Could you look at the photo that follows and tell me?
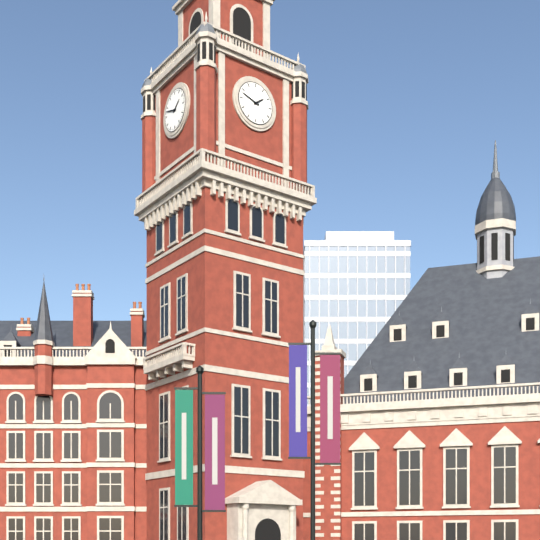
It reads 1 h 48 min
